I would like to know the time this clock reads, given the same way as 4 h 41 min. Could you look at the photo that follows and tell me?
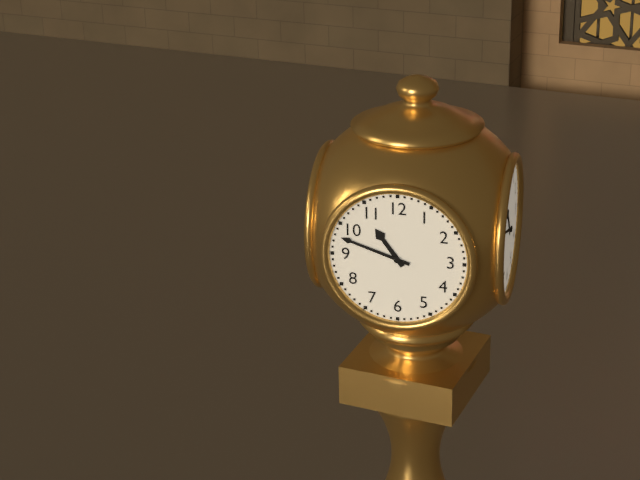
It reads 10 h 48 min
